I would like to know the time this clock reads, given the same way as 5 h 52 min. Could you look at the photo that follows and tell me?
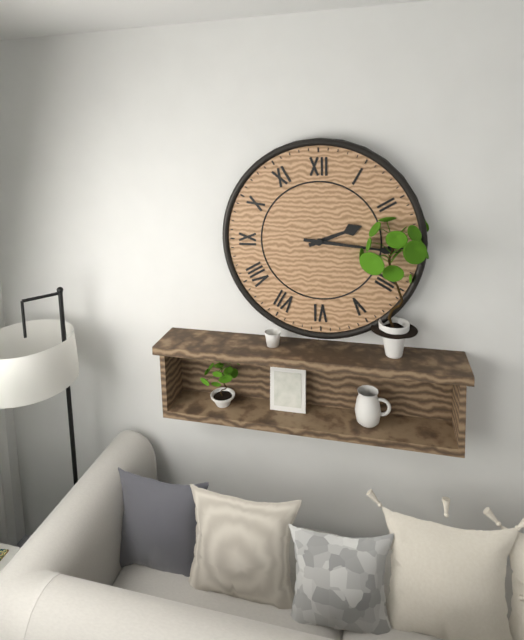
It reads 2 h 16 min
